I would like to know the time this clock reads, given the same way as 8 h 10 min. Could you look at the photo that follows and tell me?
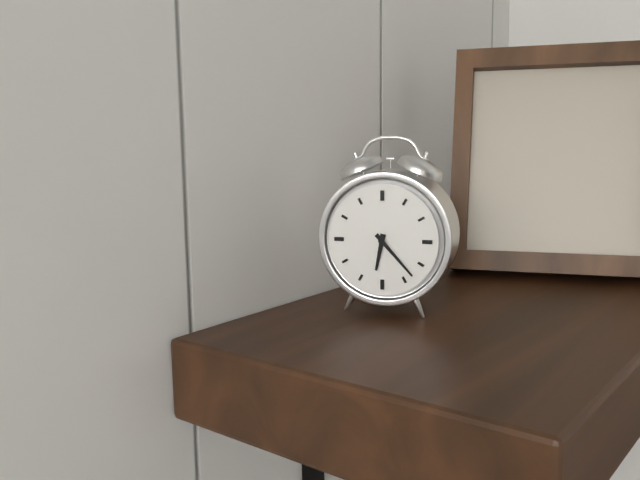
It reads 6 h 23 min
